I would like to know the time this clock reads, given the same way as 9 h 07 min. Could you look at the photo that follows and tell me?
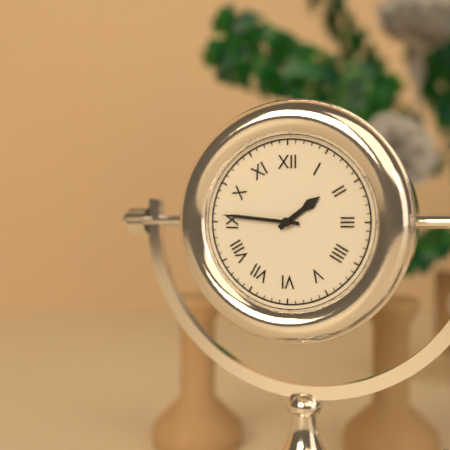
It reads 1 h 46 min
